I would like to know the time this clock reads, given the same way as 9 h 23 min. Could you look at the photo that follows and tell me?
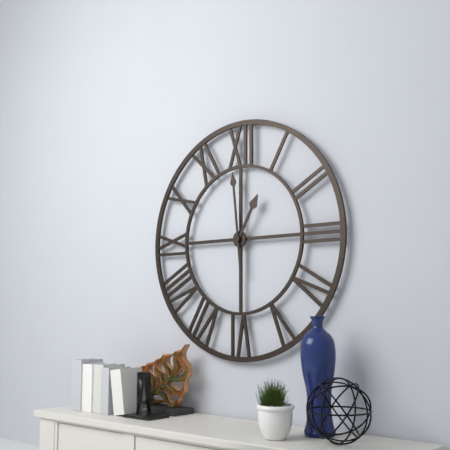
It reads 12 h 59 min
